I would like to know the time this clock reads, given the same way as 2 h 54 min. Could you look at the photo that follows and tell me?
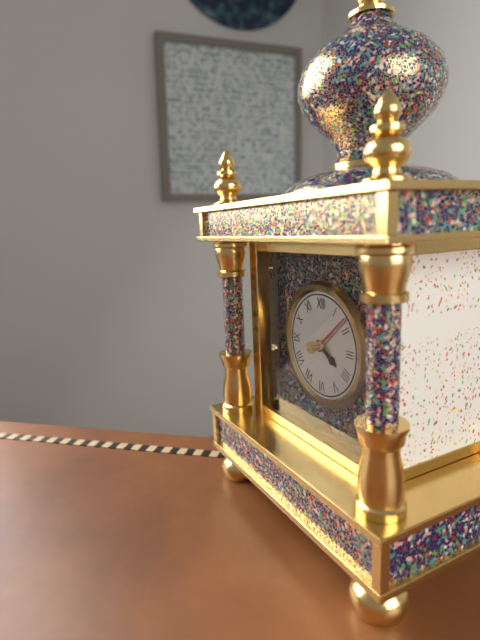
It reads 4 h 08 min
